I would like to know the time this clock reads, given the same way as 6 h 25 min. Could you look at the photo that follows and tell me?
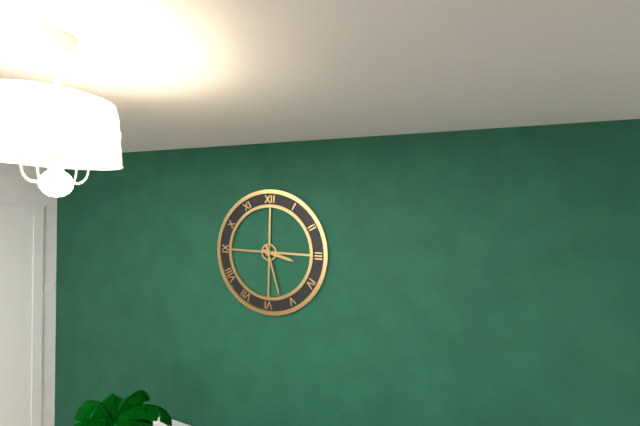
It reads 3 h 27 min
